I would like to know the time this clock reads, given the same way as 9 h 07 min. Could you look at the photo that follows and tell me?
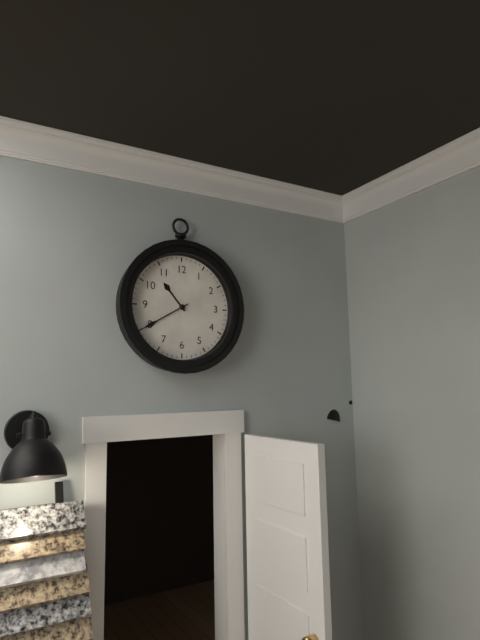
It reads 10 h 40 min
